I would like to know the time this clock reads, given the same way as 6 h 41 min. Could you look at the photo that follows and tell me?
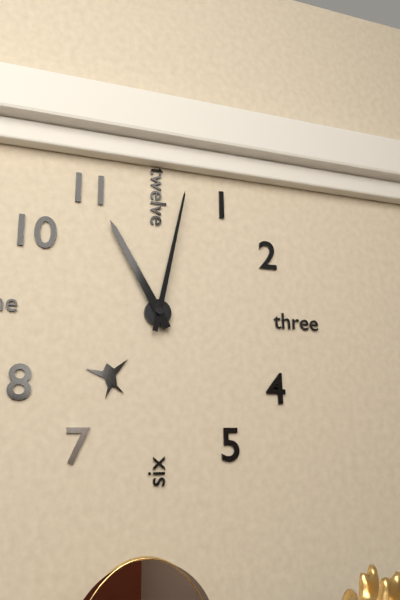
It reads 11 h 02 min
